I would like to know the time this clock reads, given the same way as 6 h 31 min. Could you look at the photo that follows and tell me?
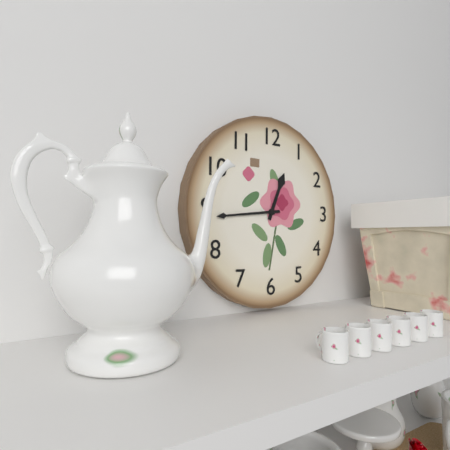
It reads 12 h 44 min
